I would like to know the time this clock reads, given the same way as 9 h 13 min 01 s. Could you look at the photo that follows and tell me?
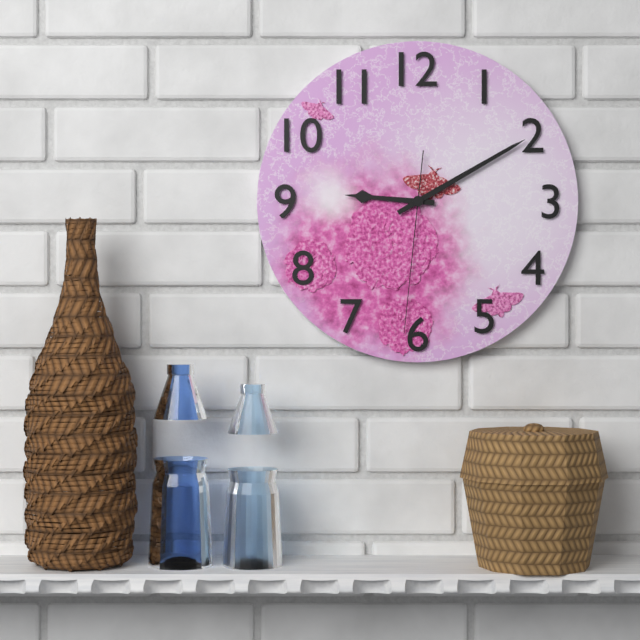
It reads 9 h 10 min 31 s
